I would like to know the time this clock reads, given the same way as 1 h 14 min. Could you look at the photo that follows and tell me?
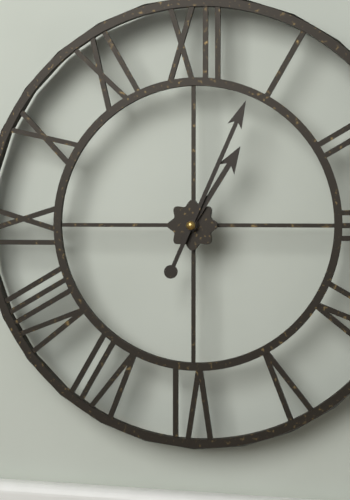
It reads 1 h 04 min
